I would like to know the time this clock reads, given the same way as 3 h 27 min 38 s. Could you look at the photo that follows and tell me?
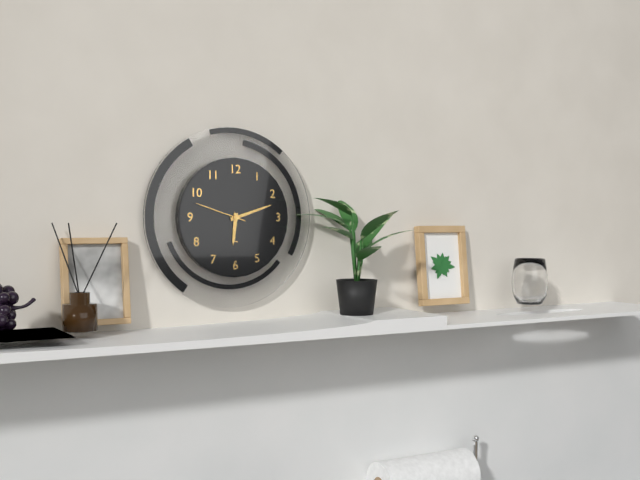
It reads 6 h 12 min 48 s
